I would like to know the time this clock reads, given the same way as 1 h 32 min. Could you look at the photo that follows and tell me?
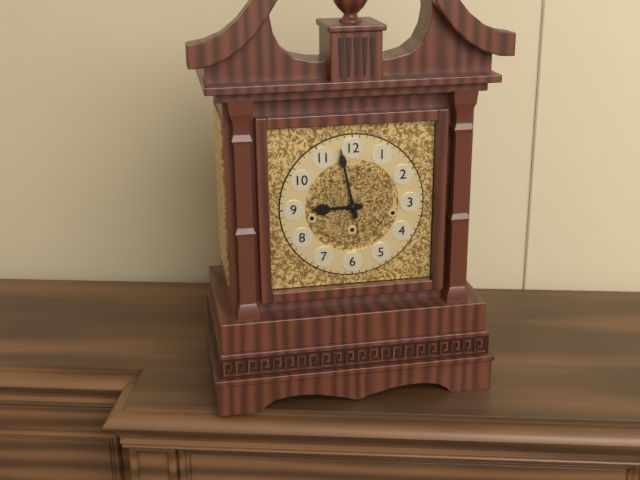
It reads 8 h 58 min
